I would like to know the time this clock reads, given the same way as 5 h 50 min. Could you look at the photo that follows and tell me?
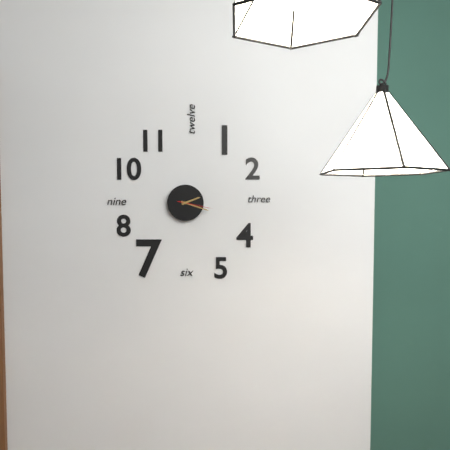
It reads 2 h 18 min
